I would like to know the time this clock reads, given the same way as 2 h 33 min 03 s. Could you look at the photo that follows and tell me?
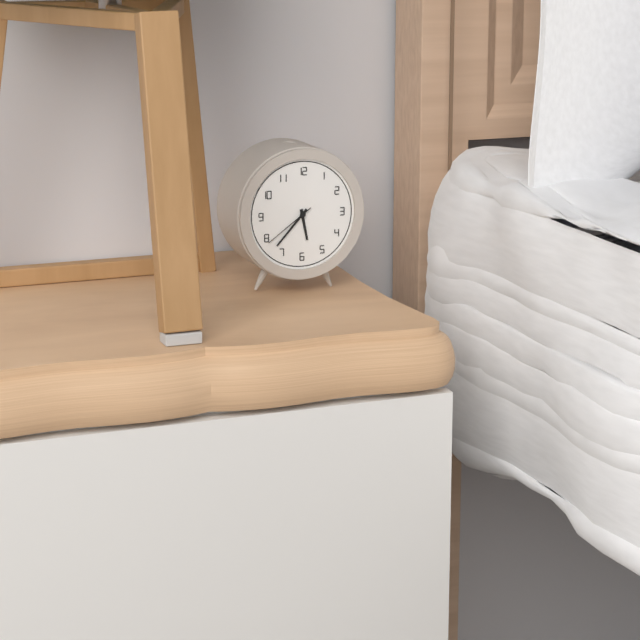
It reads 5 h 37 min 39 s
